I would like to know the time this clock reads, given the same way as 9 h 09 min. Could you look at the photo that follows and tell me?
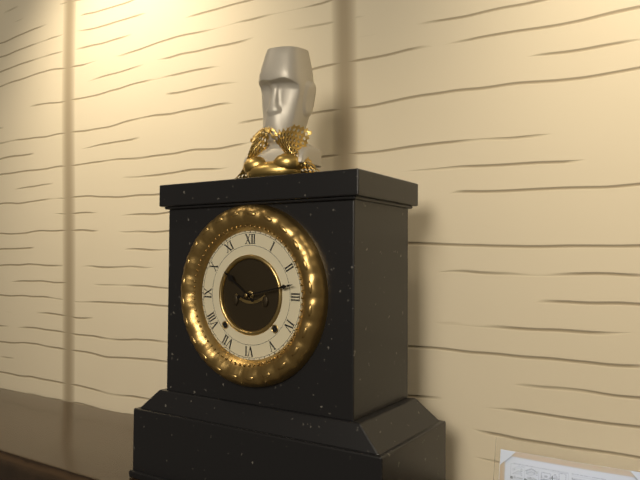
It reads 10 h 13 min
